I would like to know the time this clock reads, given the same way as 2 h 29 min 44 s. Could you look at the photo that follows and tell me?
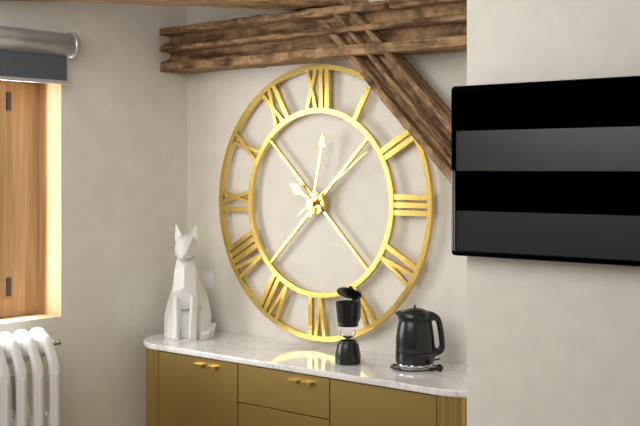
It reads 10 h 02 min 09 s
